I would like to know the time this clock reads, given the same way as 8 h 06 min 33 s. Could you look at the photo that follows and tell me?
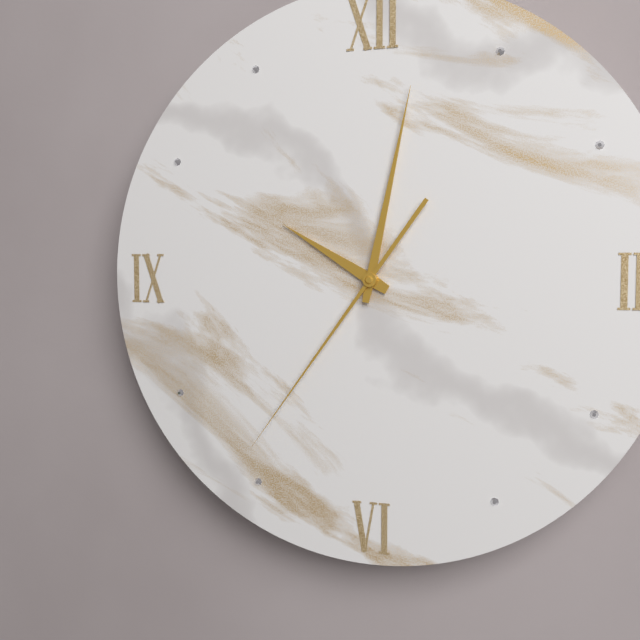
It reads 10 h 02 min 36 s
